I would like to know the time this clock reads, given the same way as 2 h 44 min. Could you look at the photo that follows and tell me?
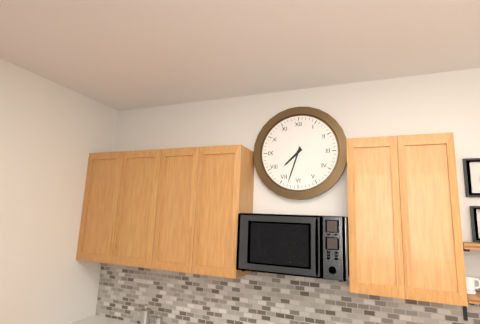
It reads 7 h 33 min
